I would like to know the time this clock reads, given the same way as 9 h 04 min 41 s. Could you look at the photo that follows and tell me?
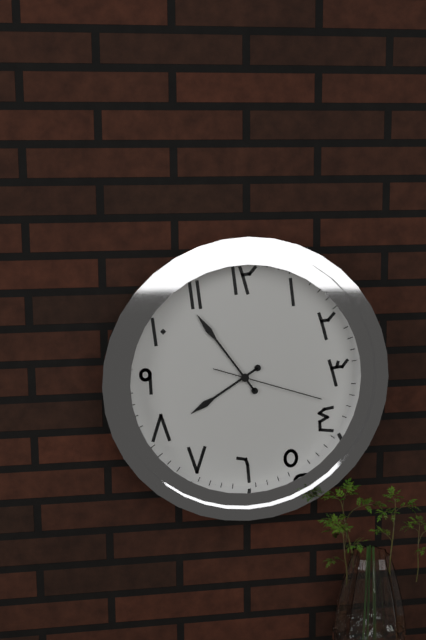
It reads 7 h 54 min 18 s
